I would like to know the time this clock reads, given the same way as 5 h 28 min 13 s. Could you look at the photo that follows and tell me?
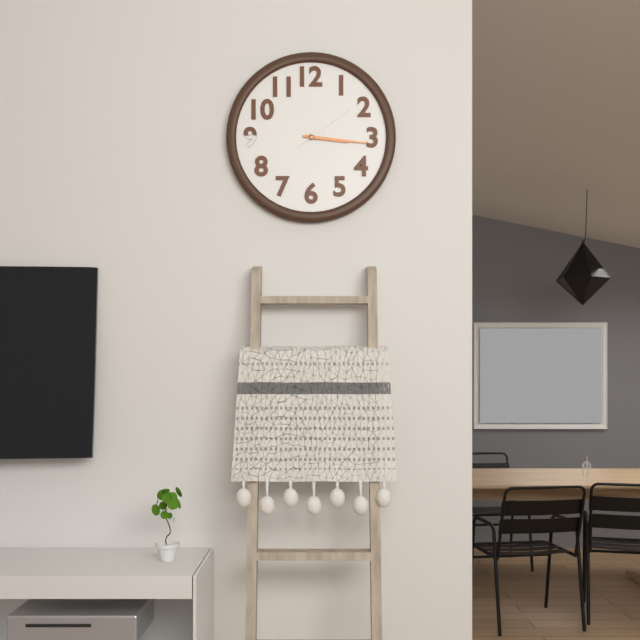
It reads 3 h 16 min 09 s
